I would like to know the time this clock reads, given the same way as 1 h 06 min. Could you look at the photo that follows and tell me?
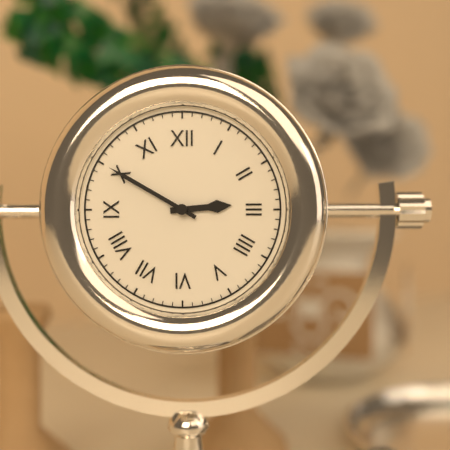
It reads 2 h 50 min
